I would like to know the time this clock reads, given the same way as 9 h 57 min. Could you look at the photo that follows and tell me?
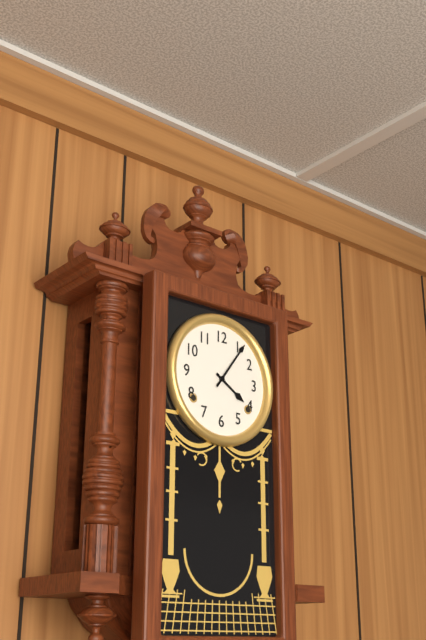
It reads 4 h 06 min
